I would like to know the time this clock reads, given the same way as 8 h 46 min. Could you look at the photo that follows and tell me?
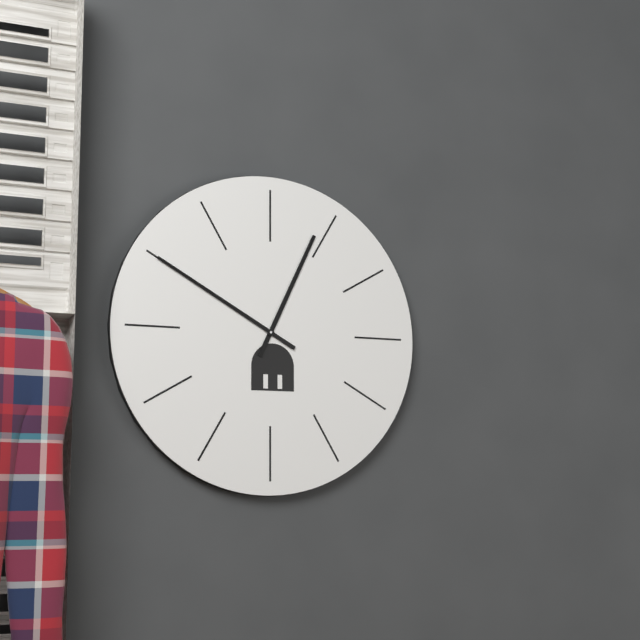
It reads 12 h 50 min
